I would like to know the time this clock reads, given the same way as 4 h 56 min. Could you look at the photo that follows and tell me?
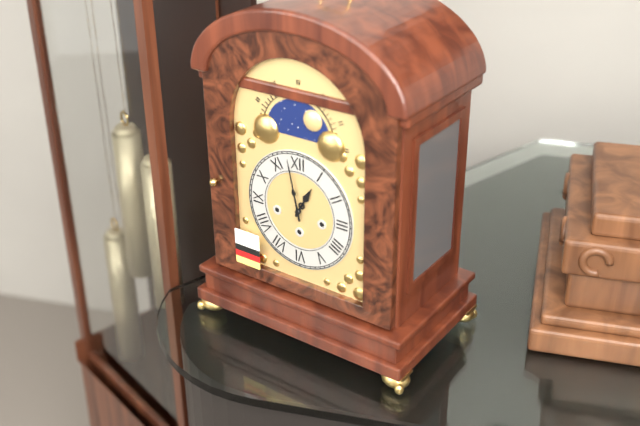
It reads 12 h 58 min
